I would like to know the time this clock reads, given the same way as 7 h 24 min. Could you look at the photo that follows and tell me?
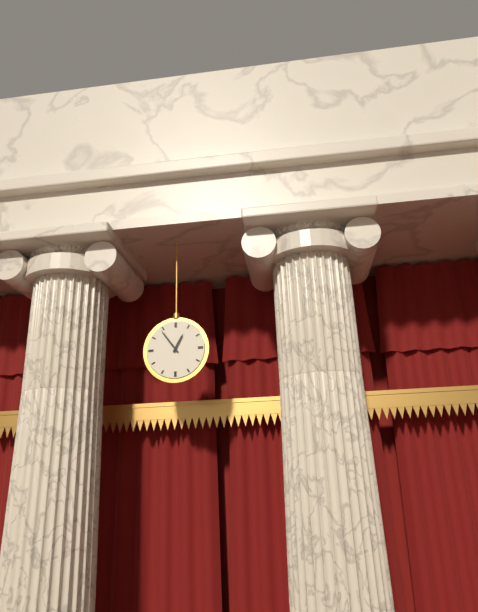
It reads 12 h 54 min
